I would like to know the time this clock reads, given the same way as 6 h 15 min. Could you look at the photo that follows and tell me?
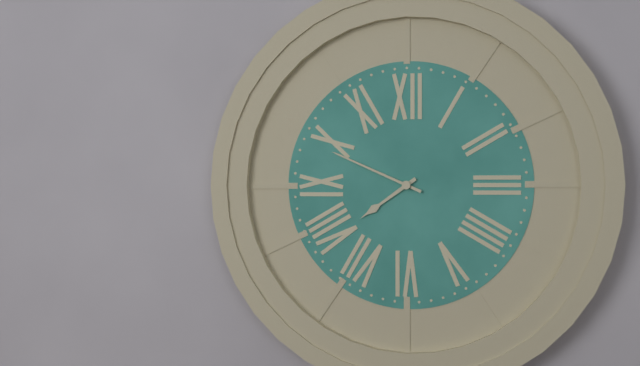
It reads 7 h 49 min
